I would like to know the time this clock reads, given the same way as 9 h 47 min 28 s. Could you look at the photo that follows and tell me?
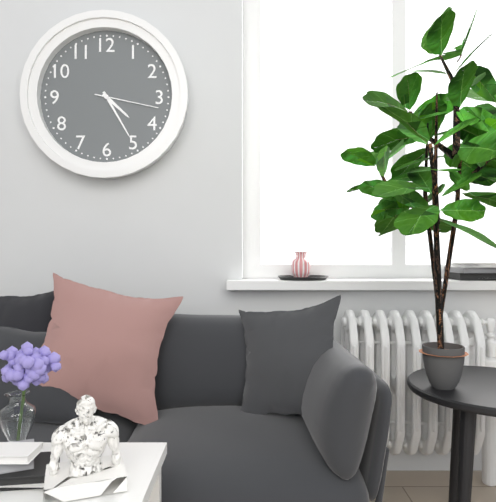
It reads 4 h 25 min 17 s
